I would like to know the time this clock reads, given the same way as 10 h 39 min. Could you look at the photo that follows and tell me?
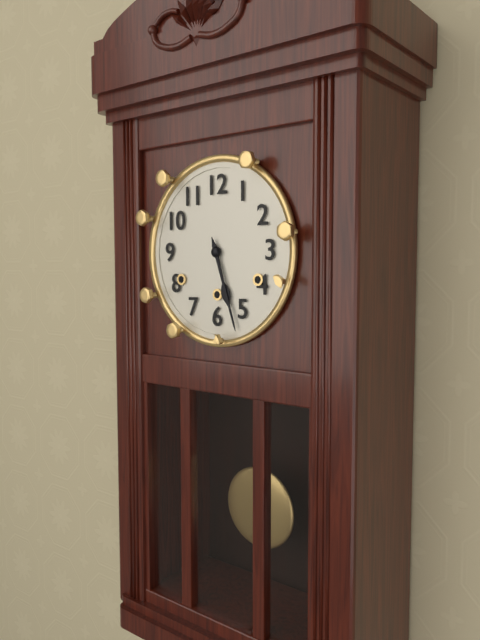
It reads 5 h 27 min
